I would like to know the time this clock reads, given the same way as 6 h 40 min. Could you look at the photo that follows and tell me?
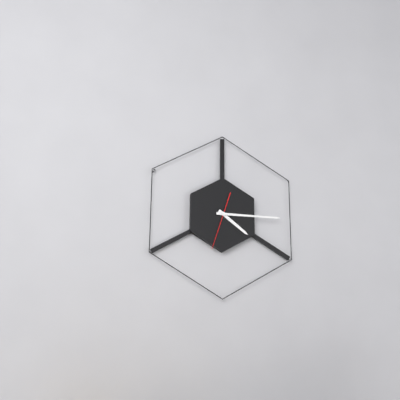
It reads 4 h 15 min
